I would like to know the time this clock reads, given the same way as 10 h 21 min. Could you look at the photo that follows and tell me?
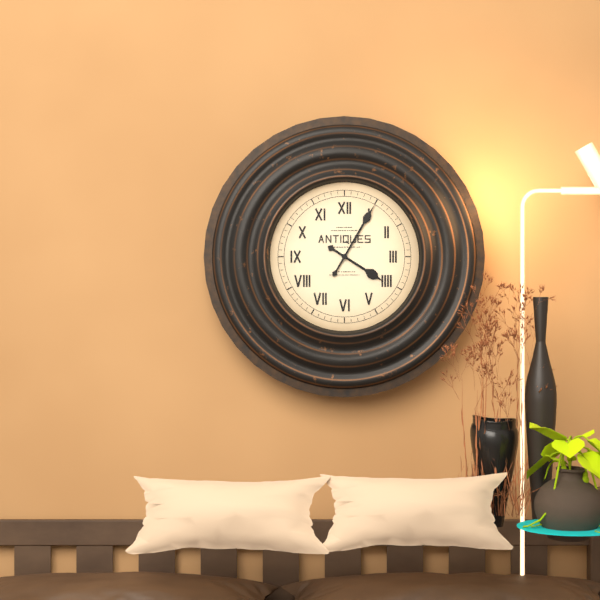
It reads 4 h 05 min
